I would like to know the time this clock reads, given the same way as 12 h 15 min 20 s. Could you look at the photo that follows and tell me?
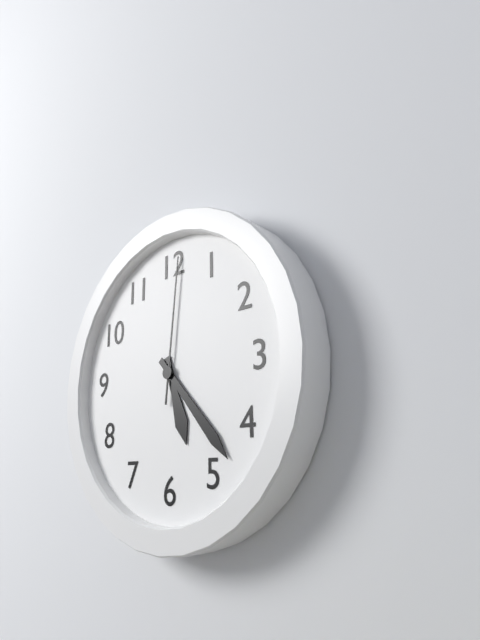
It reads 5 h 23 min 01 s
